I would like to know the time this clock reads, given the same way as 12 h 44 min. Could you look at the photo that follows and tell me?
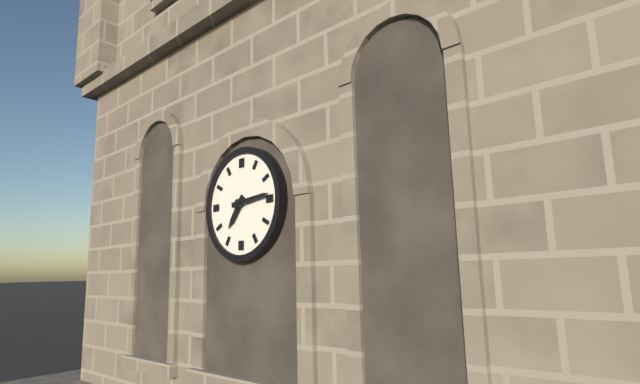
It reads 7 h 14 min
